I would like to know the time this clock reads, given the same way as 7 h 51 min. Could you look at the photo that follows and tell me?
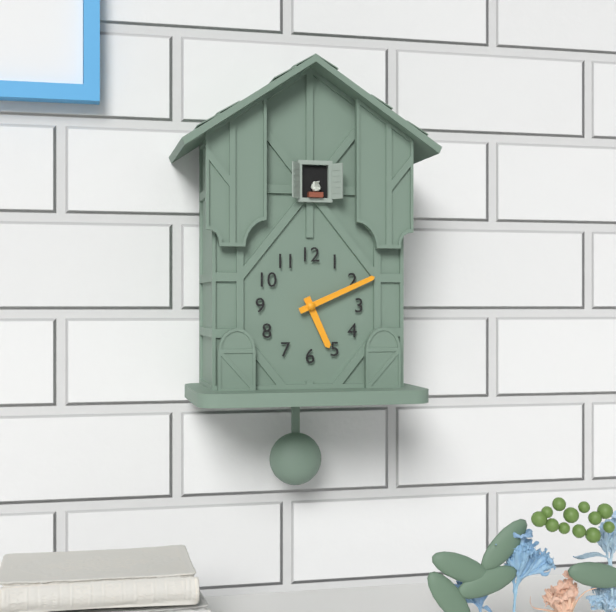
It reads 5 h 11 min
